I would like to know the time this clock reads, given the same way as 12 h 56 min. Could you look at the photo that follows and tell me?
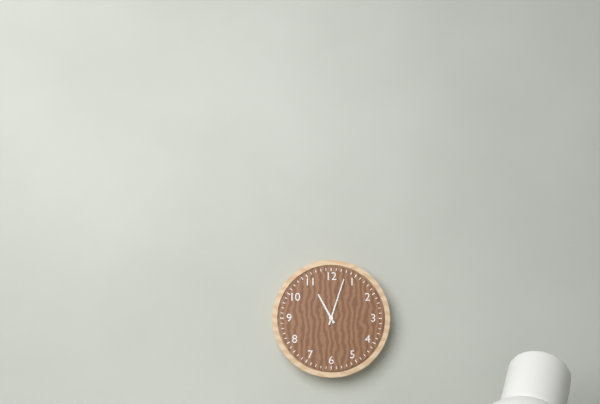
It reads 11 h 03 min
